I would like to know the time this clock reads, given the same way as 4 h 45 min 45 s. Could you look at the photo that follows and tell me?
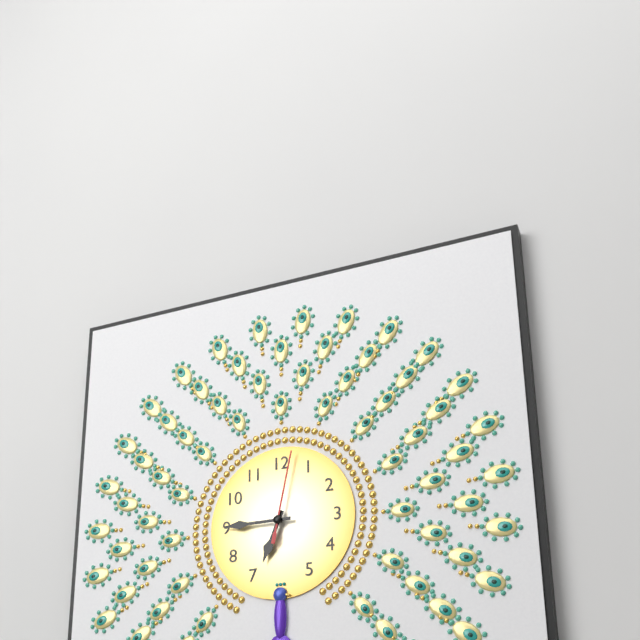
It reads 6 h 45 min 02 s
